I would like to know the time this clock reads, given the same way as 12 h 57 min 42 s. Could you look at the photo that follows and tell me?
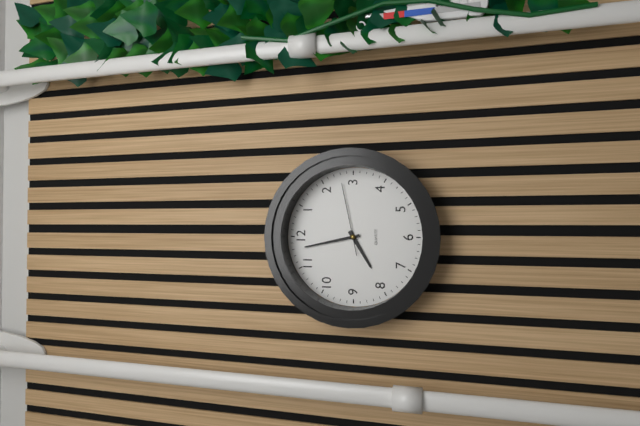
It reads 7 h 58 min 13 s
